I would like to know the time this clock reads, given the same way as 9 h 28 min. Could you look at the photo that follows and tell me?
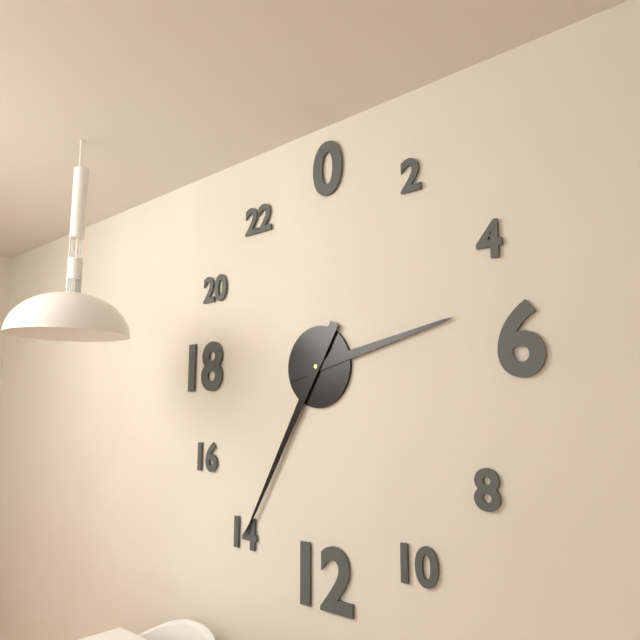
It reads 2 h 35 min
